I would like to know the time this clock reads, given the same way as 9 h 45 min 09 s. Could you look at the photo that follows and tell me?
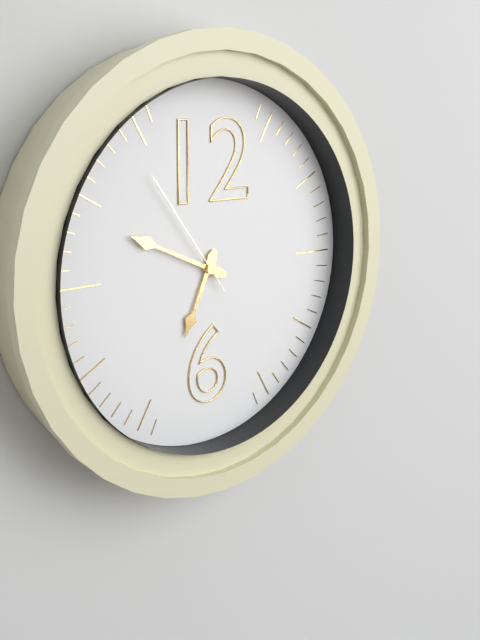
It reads 6 h 49 min 54 s
